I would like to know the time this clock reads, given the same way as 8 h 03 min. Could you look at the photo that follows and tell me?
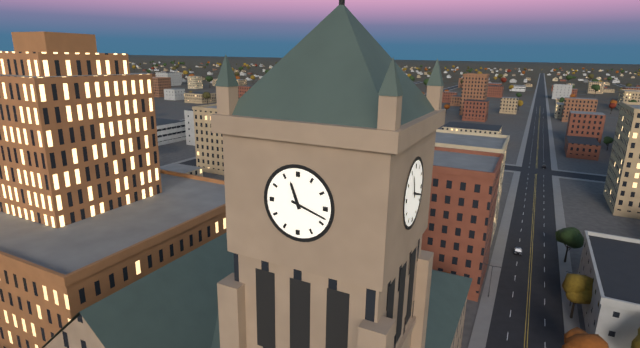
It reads 11 h 18 min
